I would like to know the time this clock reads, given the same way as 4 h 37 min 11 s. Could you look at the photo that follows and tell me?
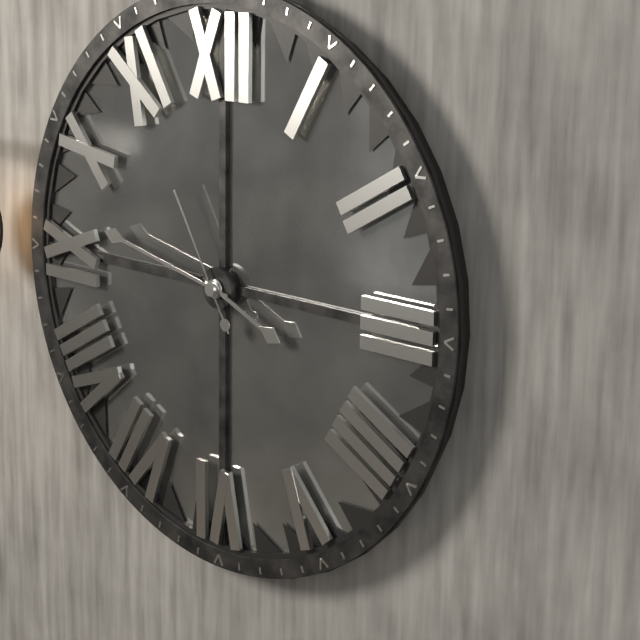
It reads 3 h 47 min 55 s
